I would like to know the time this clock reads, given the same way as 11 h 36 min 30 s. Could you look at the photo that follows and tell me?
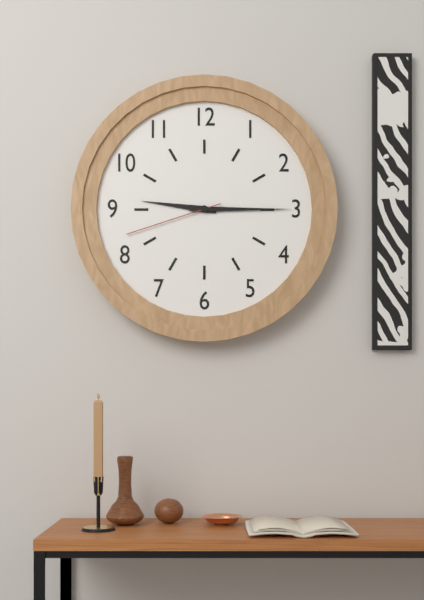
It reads 9 h 15 min 42 s
